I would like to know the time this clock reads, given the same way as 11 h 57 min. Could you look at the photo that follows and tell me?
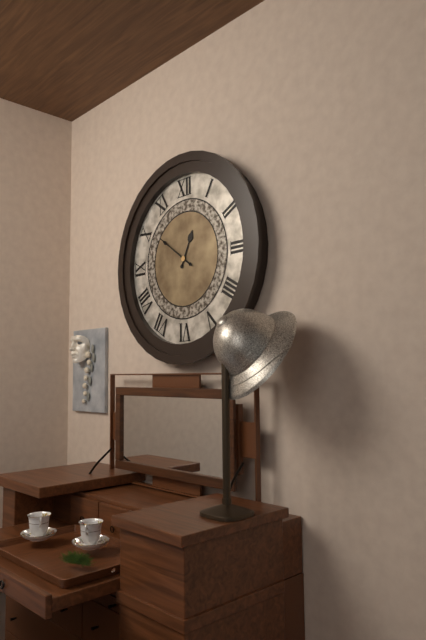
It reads 12 h 51 min
